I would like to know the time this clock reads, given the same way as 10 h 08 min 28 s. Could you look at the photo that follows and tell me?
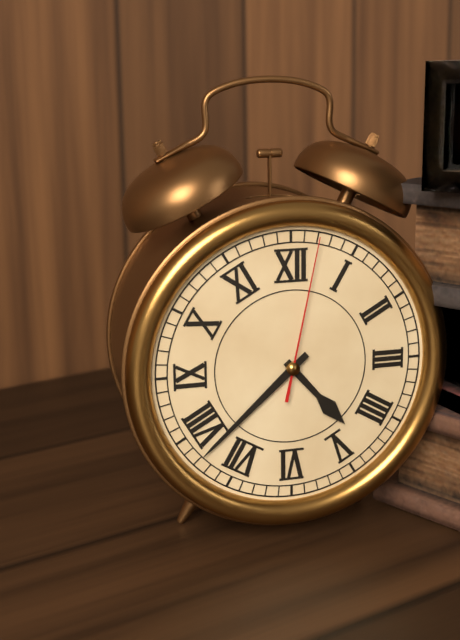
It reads 4 h 38 min 02 s
